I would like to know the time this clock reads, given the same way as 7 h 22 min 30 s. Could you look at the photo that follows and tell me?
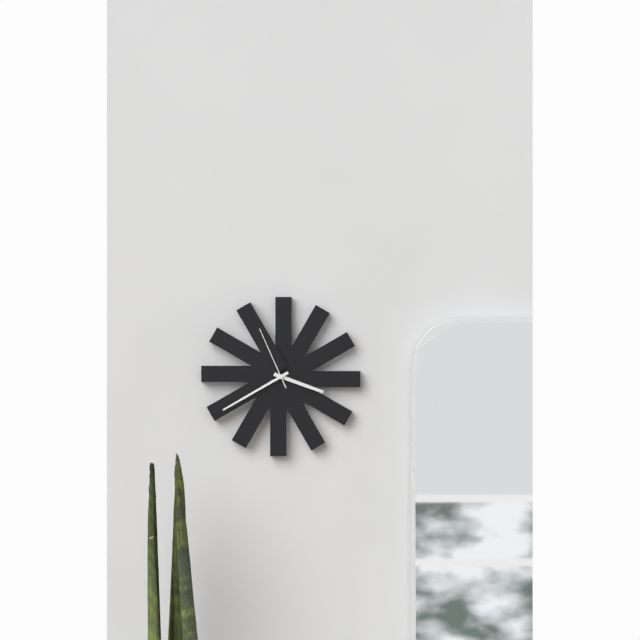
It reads 3 h 40 min 56 s
